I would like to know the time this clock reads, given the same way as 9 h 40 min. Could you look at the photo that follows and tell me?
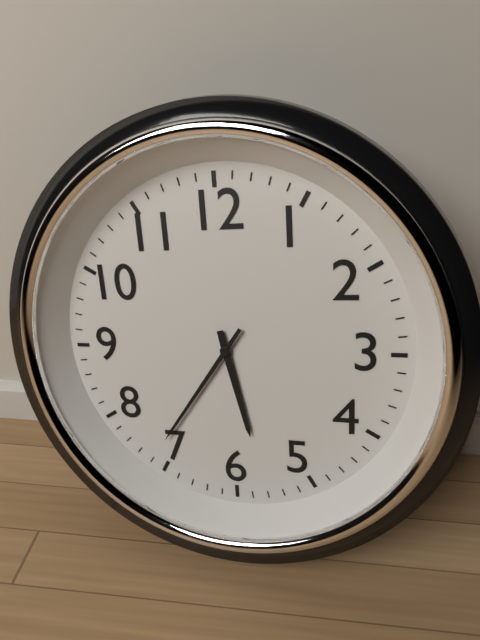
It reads 5 h 36 min
